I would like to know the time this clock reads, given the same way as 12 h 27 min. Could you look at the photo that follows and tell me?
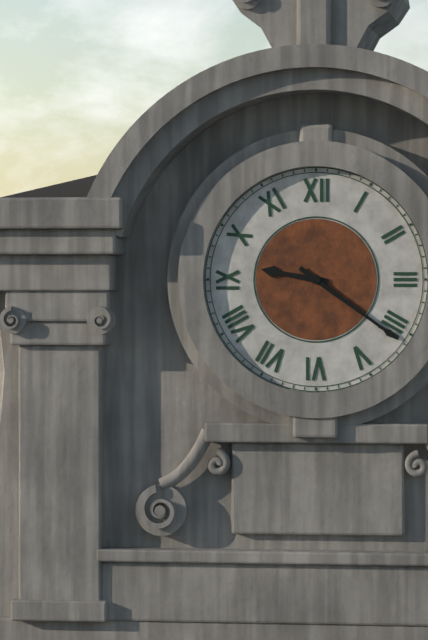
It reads 9 h 21 min
